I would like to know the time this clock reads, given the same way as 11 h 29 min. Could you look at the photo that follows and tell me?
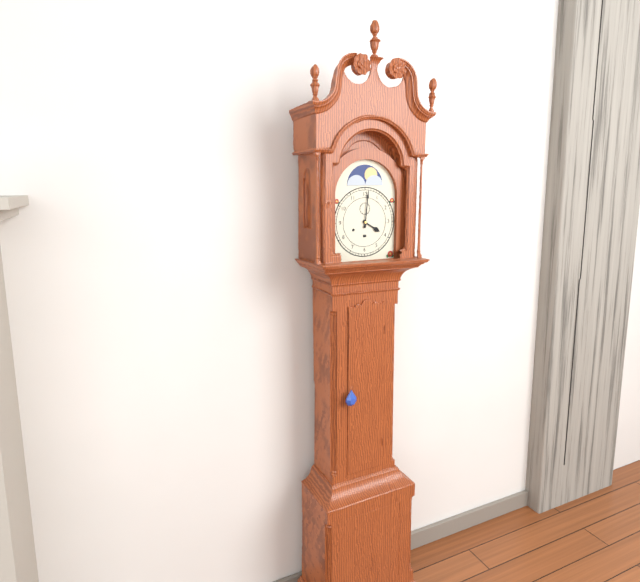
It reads 4 h 01 min
